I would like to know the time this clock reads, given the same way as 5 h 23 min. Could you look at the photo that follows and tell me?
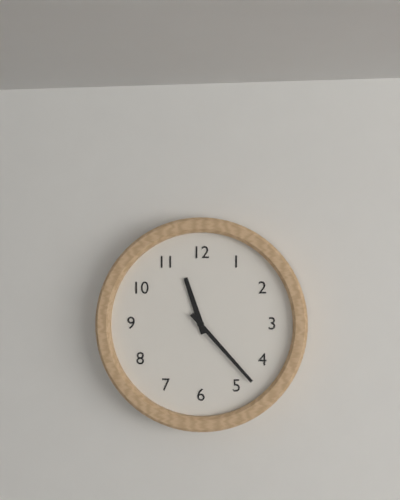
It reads 11 h 23 min
